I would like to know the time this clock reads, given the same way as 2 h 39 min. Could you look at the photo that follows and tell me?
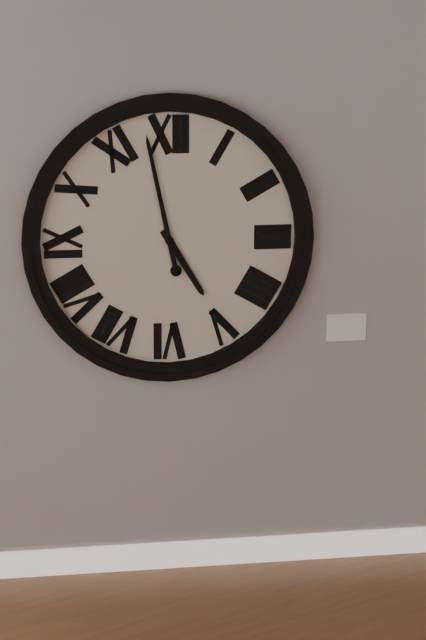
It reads 4 h 58 min
